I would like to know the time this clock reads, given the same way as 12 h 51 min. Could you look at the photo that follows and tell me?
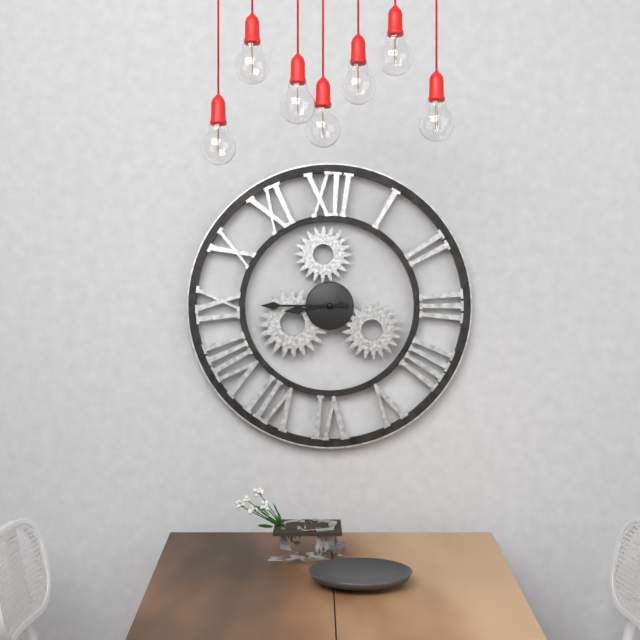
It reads 8 h 45 min
